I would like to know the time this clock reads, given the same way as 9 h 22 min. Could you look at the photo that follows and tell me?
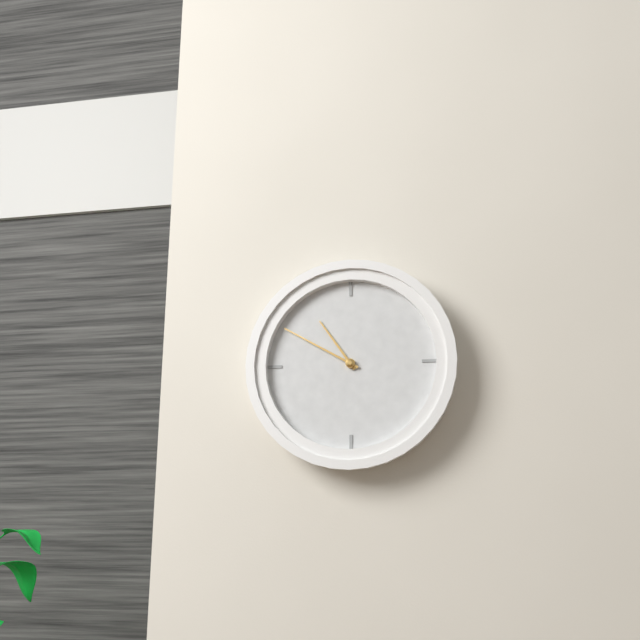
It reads 10 h 50 min
